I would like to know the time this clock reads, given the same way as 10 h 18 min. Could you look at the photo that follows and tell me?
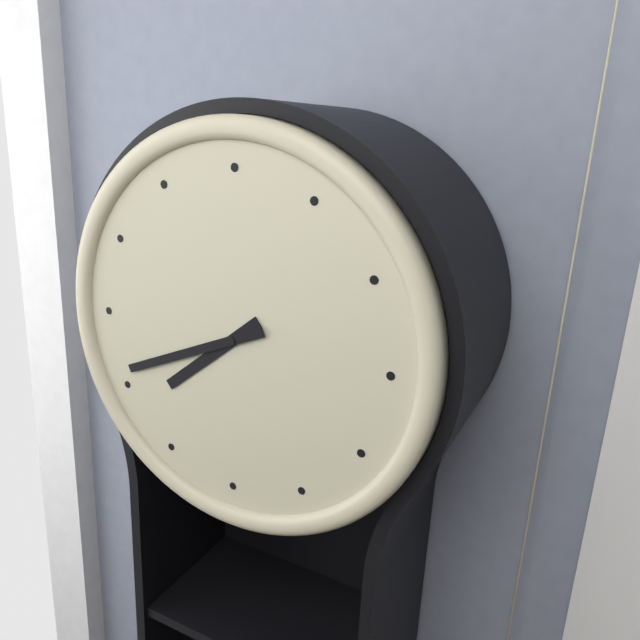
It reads 7 h 41 min
